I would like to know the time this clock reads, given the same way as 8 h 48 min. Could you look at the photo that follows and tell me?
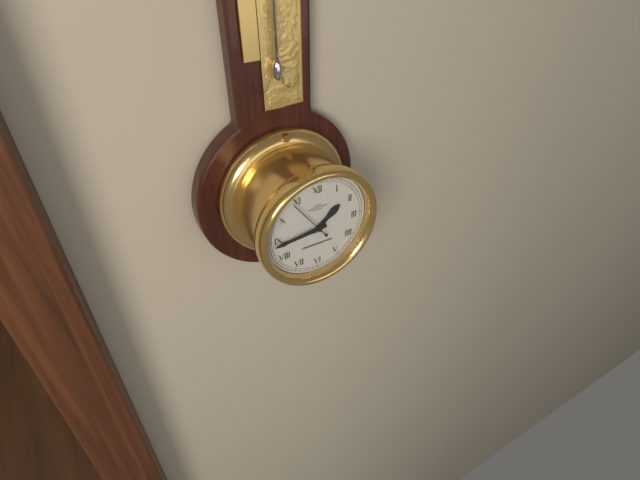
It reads 1 h 44 min
